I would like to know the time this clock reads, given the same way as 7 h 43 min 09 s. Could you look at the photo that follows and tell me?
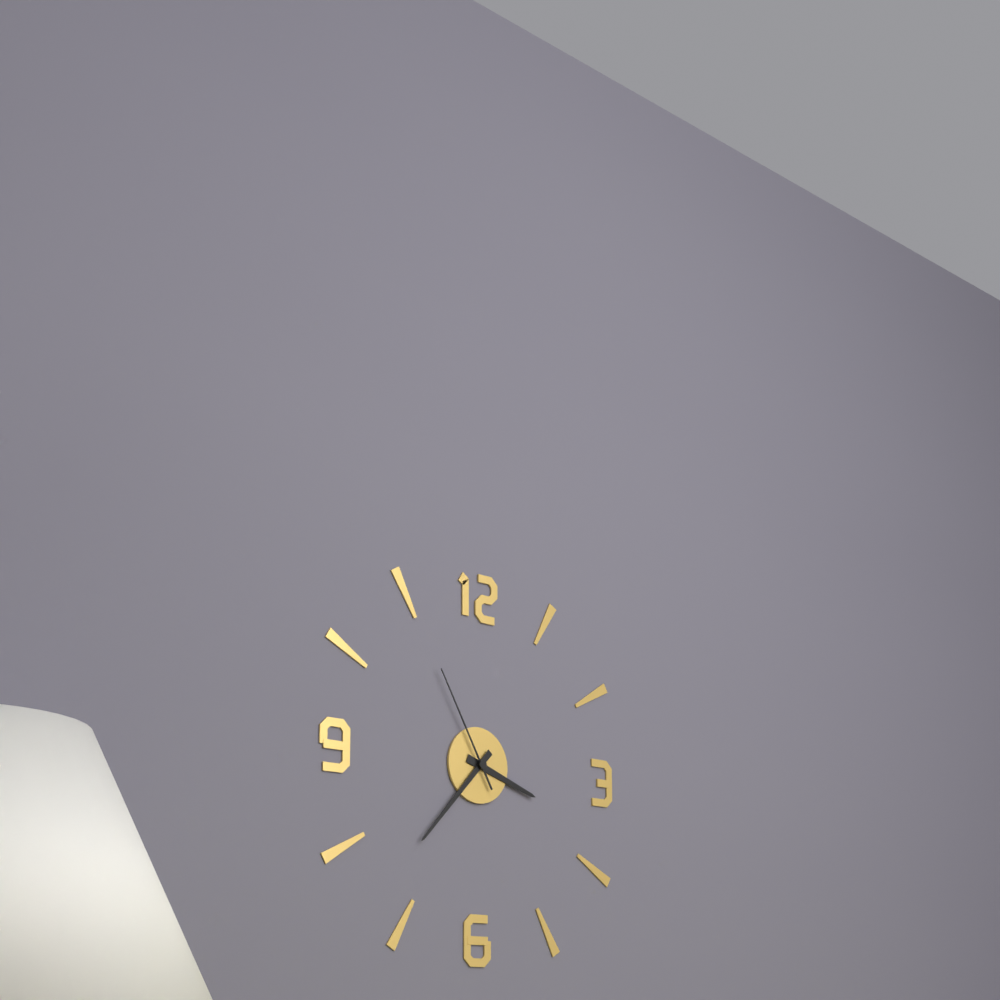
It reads 3 h 37 min 55 s
